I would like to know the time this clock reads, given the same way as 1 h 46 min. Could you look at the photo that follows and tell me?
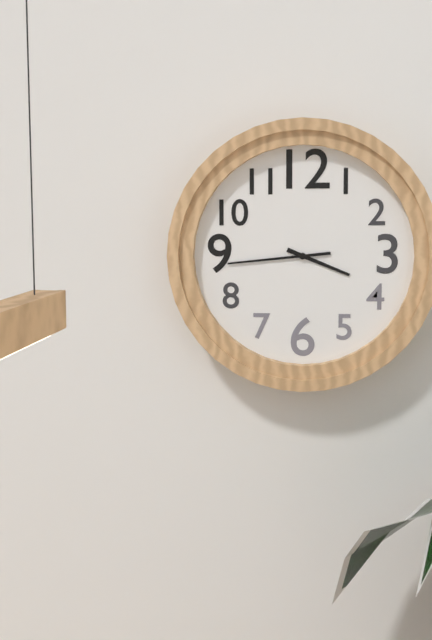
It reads 3 h 44 min
